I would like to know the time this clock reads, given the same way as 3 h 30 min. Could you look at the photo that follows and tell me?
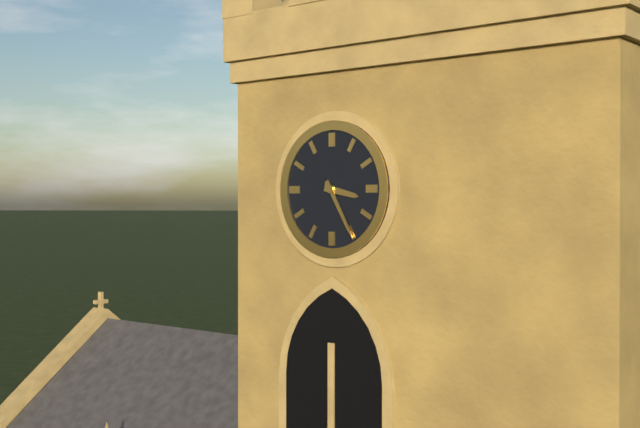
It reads 3 h 25 min
